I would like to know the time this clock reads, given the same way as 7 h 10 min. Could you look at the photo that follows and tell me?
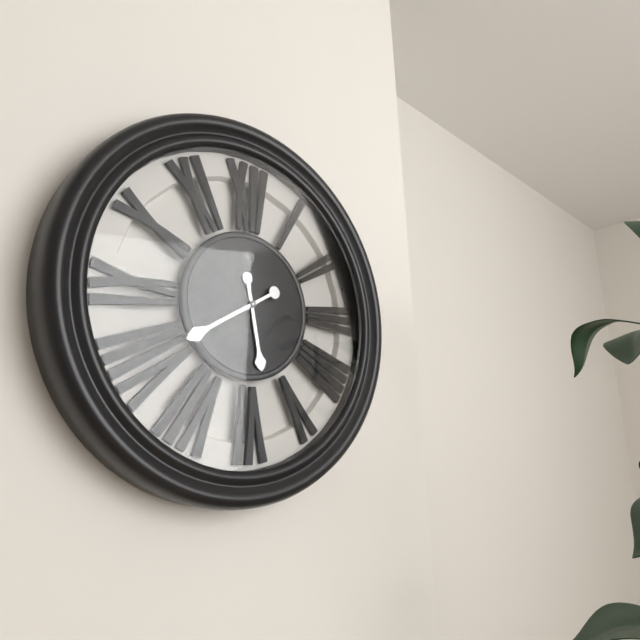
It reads 5 h 40 min
